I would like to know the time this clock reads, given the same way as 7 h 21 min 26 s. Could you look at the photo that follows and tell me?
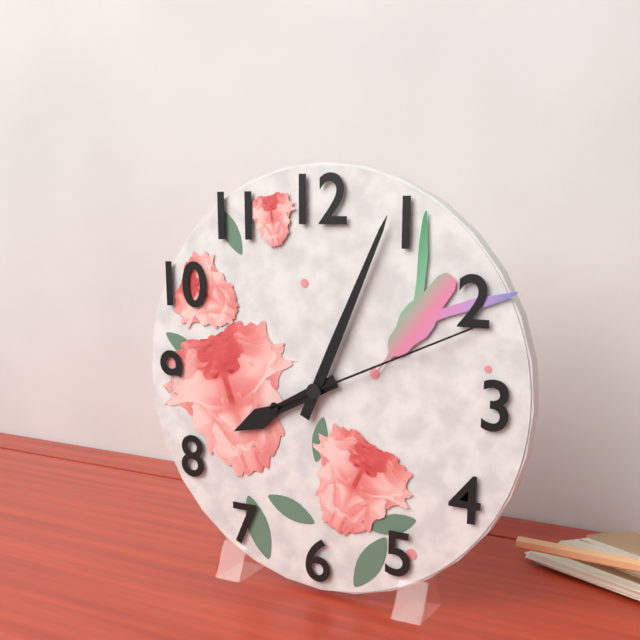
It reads 8 h 04 min 11 s
